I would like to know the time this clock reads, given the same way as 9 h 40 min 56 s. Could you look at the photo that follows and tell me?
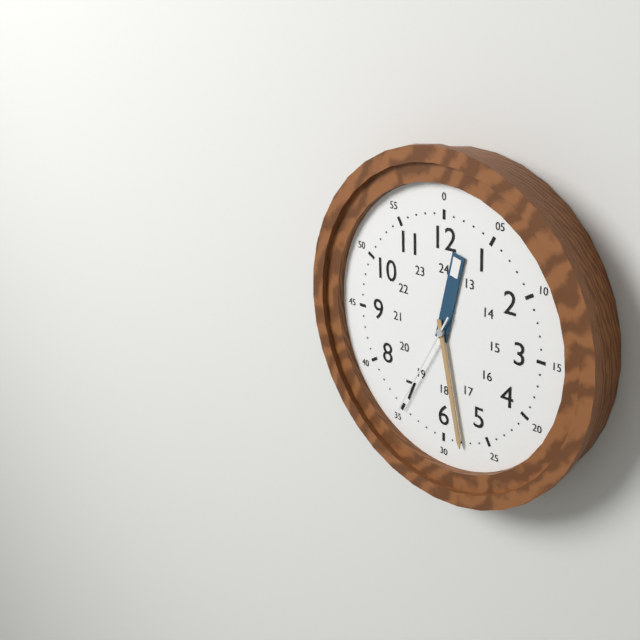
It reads 12 h 28 min 35 s
